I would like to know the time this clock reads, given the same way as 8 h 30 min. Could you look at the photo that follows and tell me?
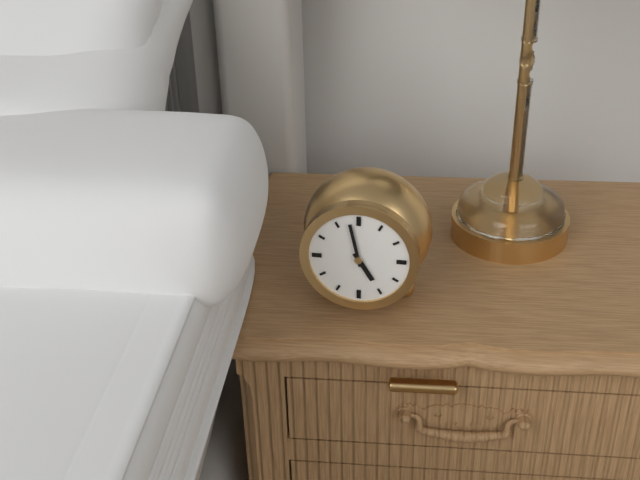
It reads 4 h 58 min
